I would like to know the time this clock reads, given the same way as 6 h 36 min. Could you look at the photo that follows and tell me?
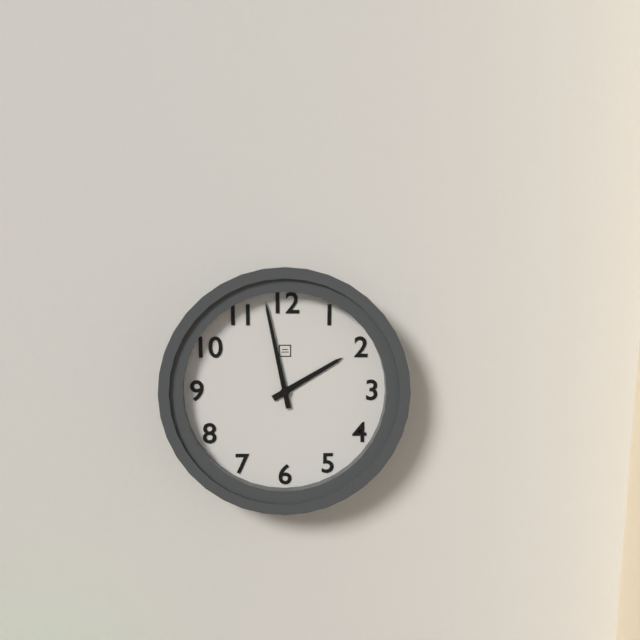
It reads 1 h 58 min
